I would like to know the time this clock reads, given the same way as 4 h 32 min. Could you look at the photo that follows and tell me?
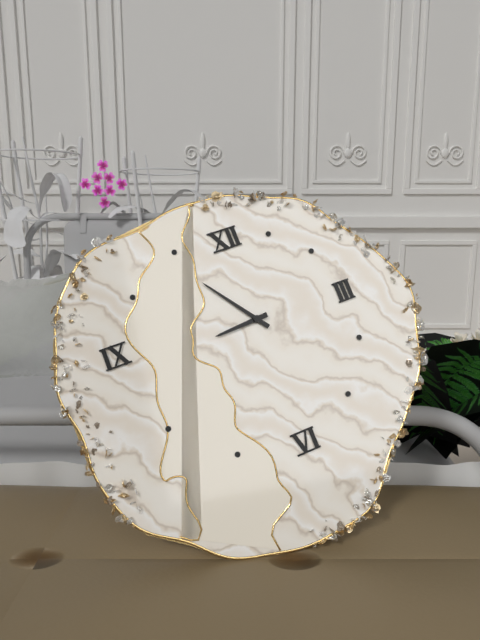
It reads 8 h 54 min
